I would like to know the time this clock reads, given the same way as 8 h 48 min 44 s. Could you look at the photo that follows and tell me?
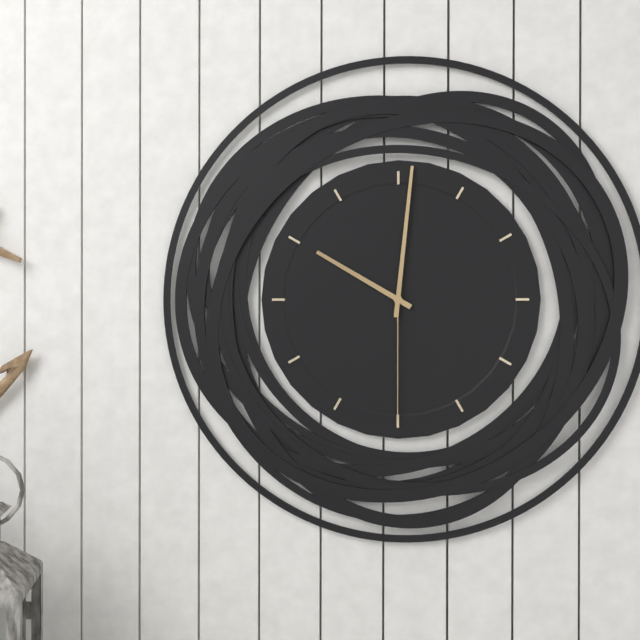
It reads 10 h 01 min 30 s
